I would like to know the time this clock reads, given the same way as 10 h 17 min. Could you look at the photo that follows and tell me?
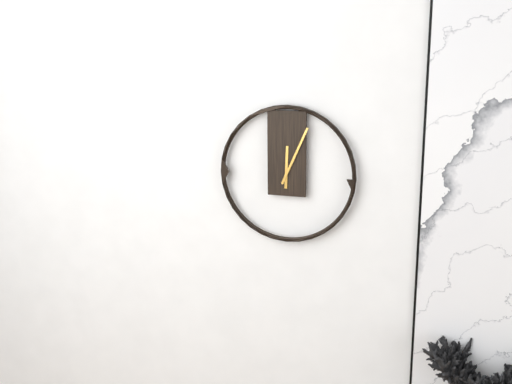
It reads 12 h 04 min
